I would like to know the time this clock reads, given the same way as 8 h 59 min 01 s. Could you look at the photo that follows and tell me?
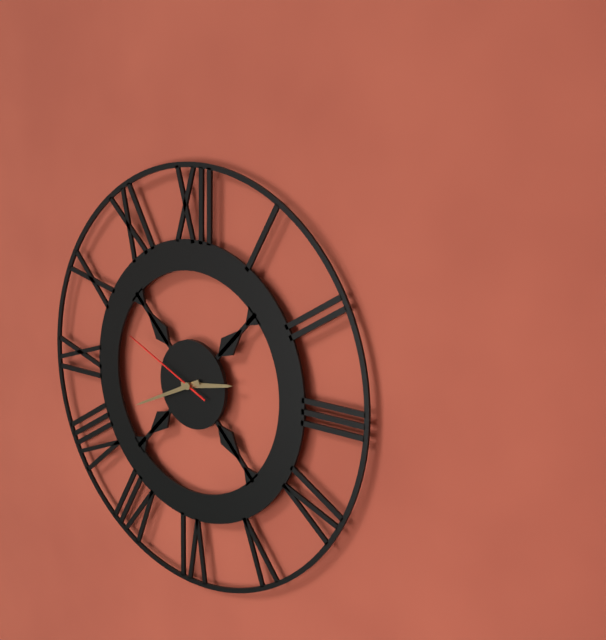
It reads 2 h 41 min 49 s
